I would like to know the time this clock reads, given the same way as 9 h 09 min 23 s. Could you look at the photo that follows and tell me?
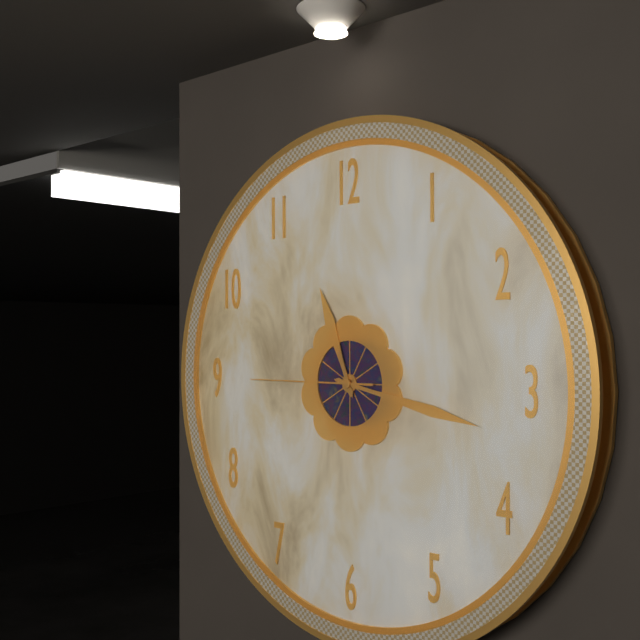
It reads 11 h 17 min 45 s
